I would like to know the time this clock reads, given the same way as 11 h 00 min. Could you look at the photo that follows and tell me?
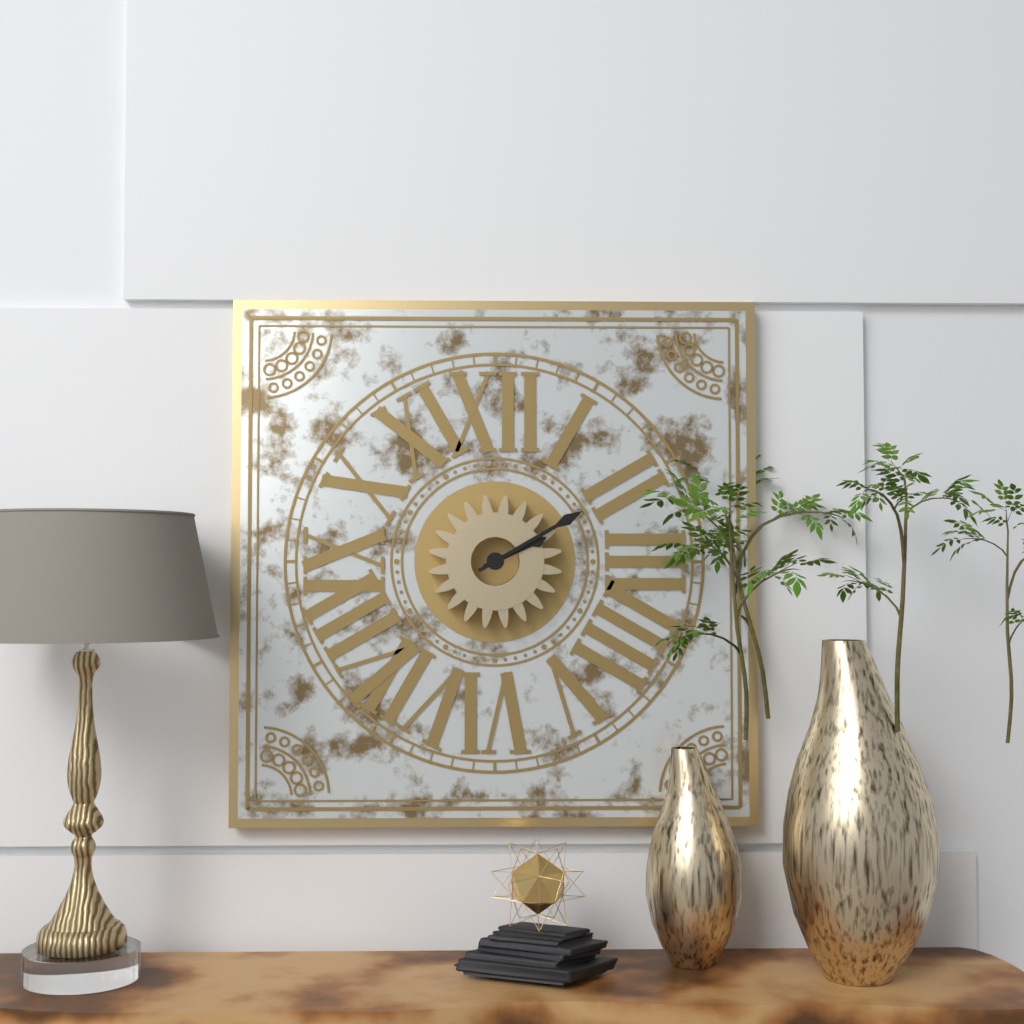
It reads 2 h 10 min
